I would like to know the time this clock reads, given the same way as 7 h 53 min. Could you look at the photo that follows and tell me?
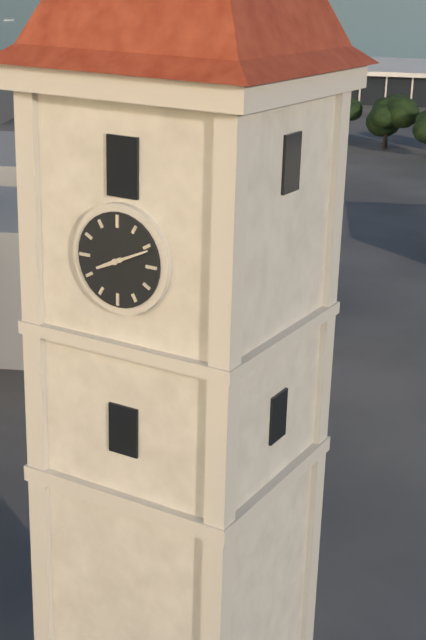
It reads 8 h 11 min
